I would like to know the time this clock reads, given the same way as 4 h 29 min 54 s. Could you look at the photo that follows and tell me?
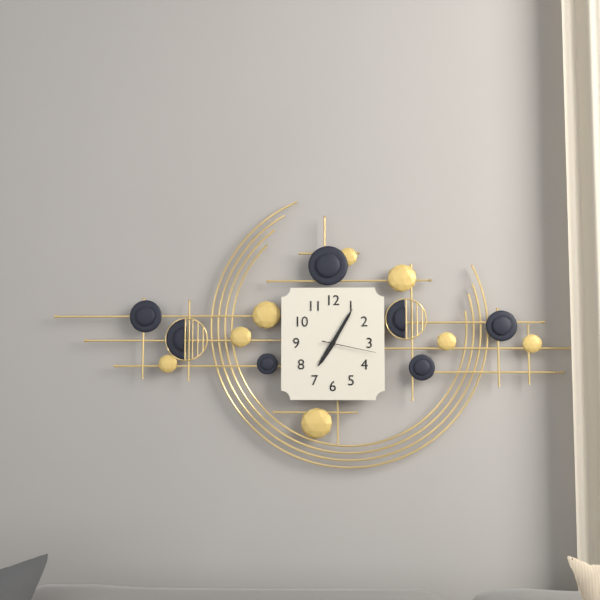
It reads 7 h 05 min 17 s
